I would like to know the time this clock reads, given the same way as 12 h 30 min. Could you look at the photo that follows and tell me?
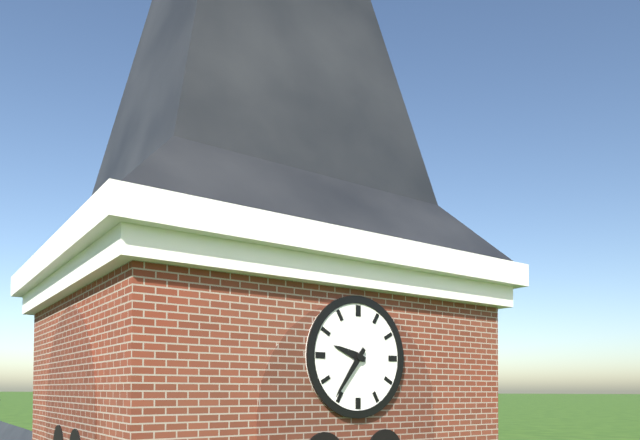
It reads 9 h 36 min
